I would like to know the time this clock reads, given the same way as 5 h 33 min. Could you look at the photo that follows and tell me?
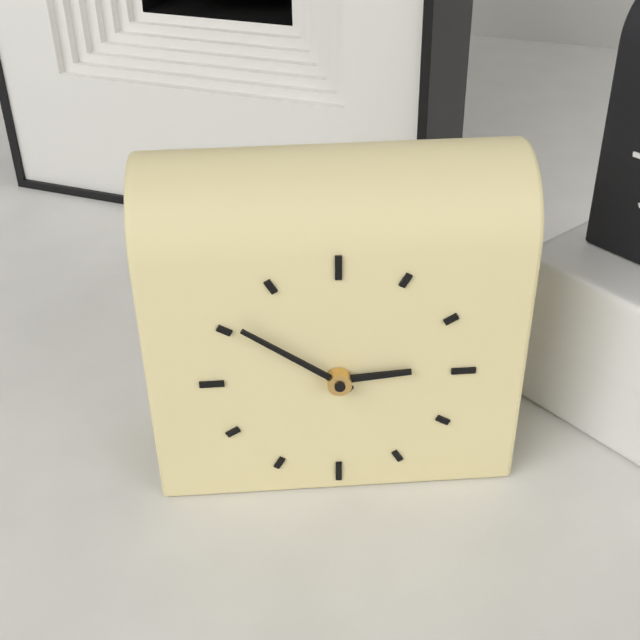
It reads 2 h 51 min
